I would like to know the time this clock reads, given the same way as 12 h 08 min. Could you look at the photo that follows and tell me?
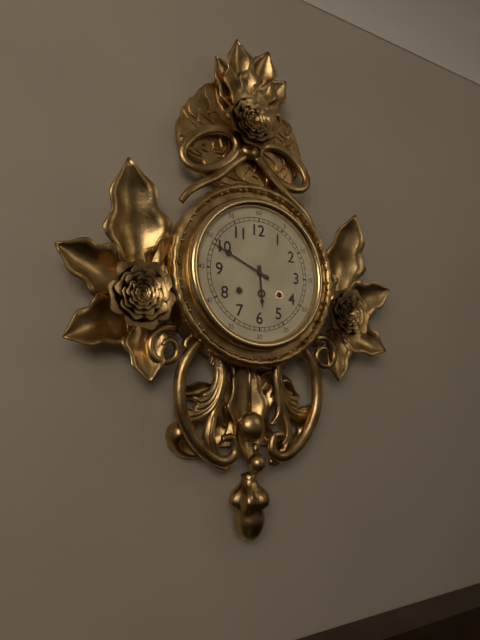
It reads 5 h 49 min
